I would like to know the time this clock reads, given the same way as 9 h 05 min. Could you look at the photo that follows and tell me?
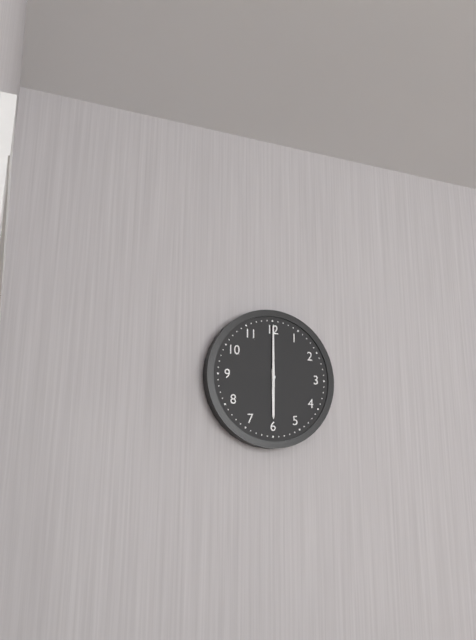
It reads 6 h 00 min
